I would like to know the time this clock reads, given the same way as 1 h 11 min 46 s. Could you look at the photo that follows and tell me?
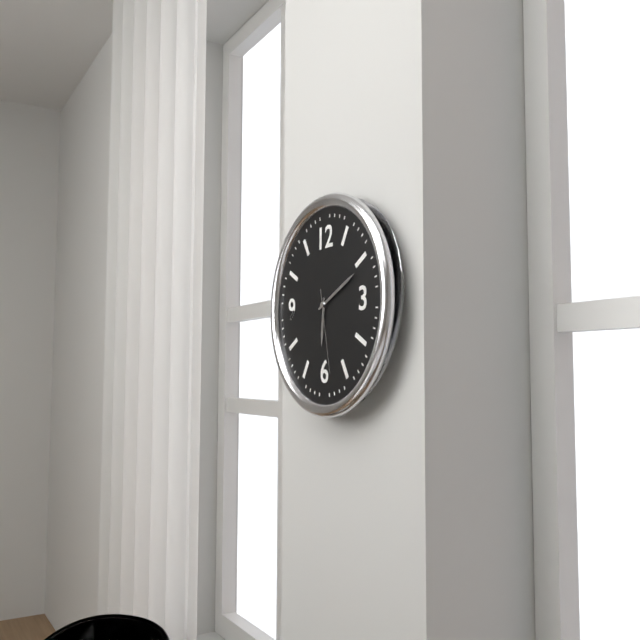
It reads 6 h 11 min 28 s
